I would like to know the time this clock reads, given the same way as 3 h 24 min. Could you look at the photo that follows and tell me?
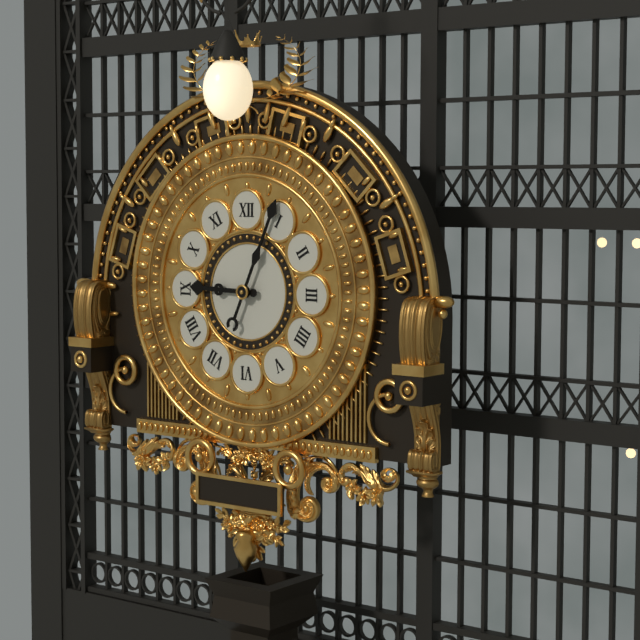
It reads 9 h 04 min
